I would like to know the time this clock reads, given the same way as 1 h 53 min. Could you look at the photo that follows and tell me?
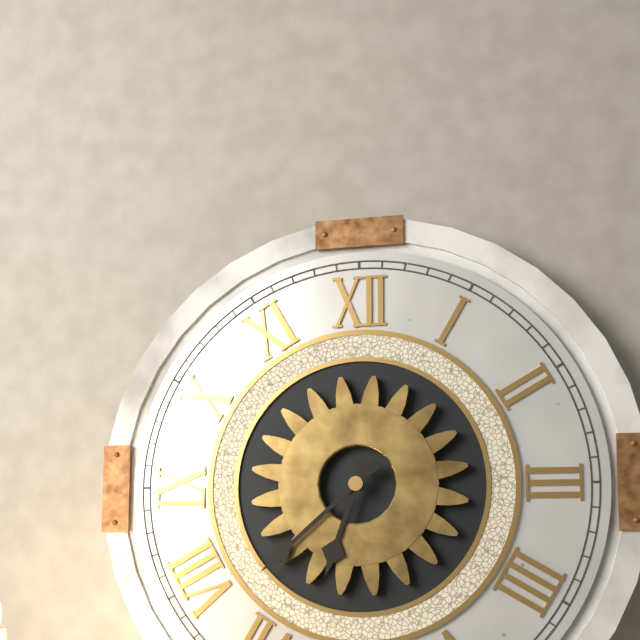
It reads 6 h 38 min
